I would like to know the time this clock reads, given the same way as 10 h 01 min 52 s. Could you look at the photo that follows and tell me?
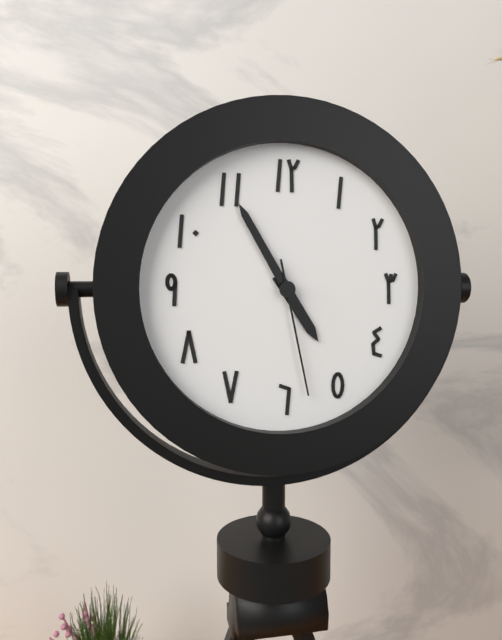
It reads 4 h 55 min 28 s
